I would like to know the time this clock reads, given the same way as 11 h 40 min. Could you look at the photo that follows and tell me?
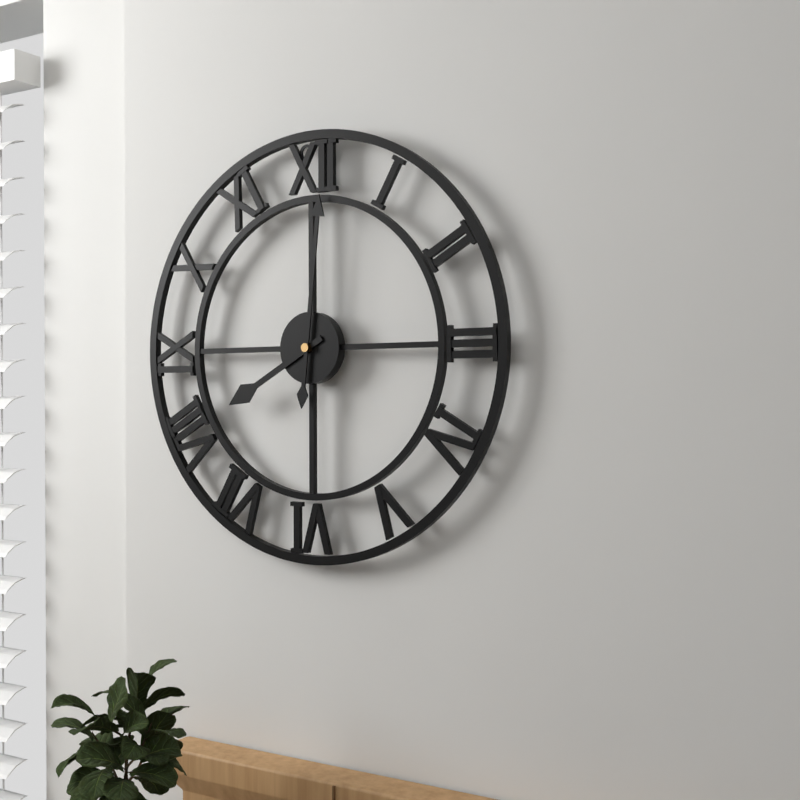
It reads 8 h 01 min
